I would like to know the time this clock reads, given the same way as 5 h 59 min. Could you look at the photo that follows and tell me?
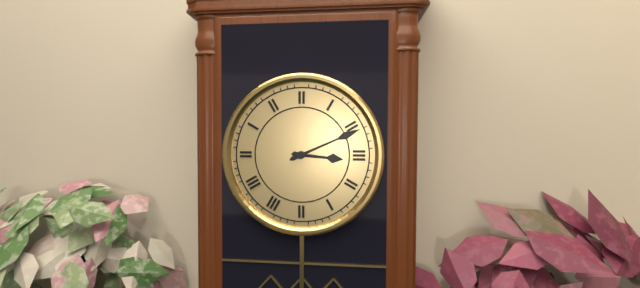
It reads 3 h 11 min
